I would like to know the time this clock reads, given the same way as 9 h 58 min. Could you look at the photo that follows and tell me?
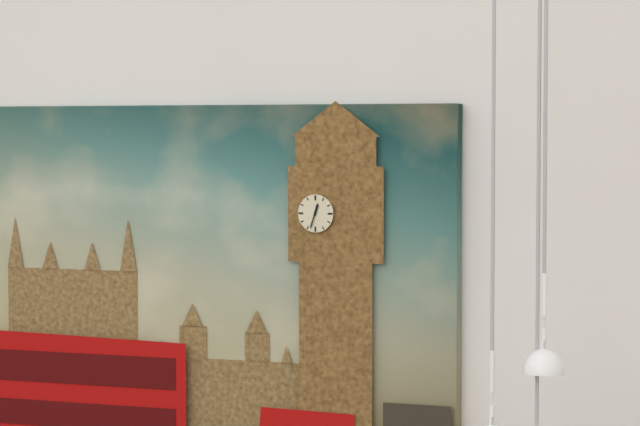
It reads 12 h 33 min
